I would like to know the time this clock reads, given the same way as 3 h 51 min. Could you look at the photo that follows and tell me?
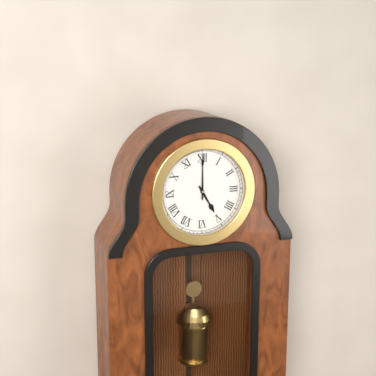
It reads 5 h 00 min
